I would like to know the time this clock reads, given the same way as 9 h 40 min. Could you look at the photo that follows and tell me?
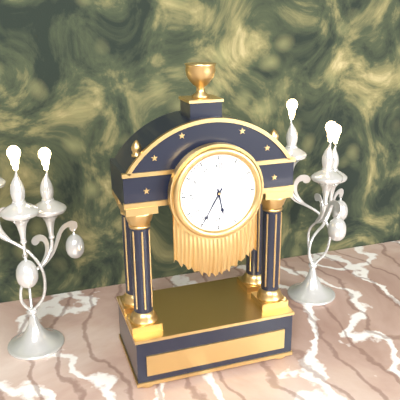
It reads 5 h 35 min
